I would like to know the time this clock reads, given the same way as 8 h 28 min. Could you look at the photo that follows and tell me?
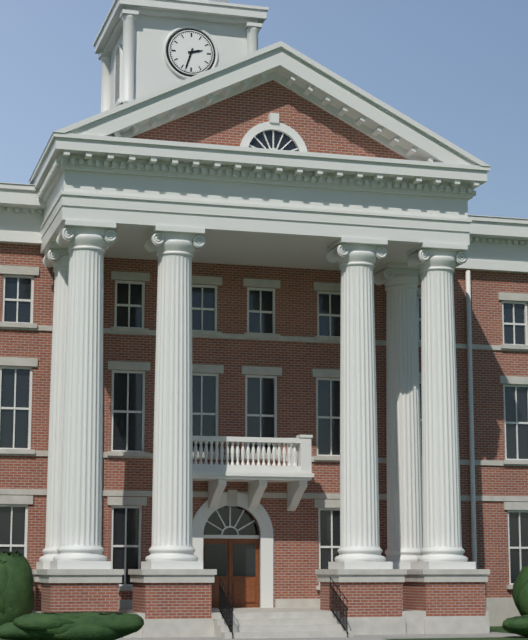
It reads 2 h 33 min
